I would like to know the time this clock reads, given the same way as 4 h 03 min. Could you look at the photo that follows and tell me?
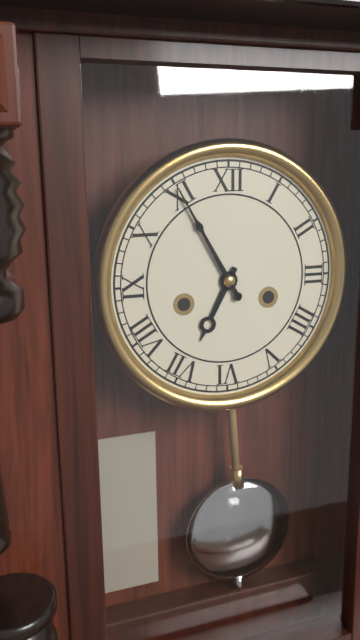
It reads 6 h 55 min
